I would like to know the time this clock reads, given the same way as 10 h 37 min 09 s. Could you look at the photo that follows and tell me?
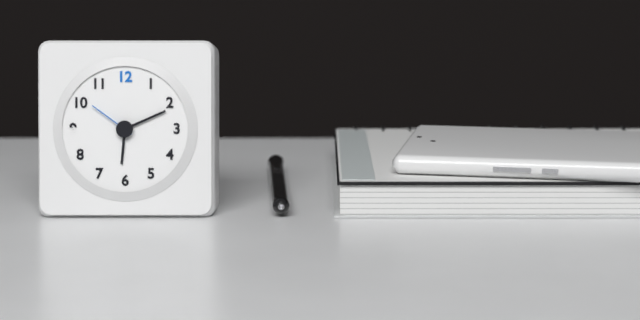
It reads 6 h 11 min 51 s
